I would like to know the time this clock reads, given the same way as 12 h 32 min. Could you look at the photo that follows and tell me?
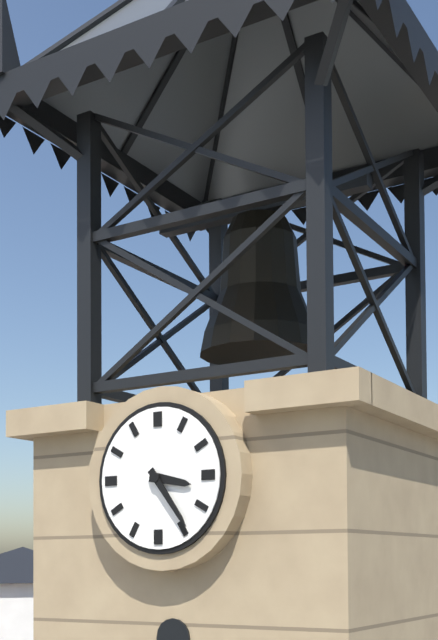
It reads 3 h 24 min
